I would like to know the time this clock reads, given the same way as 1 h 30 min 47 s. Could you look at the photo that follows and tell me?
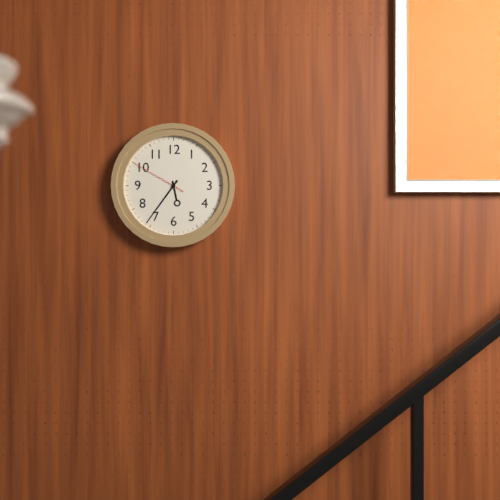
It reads 5 h 36 min 50 s
